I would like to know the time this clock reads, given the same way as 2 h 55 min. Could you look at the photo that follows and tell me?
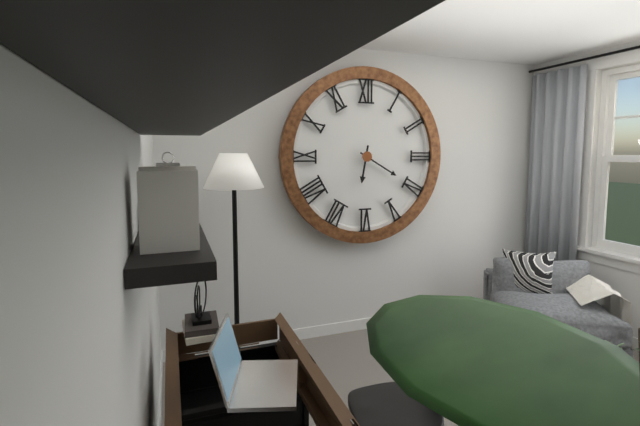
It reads 6 h 20 min
